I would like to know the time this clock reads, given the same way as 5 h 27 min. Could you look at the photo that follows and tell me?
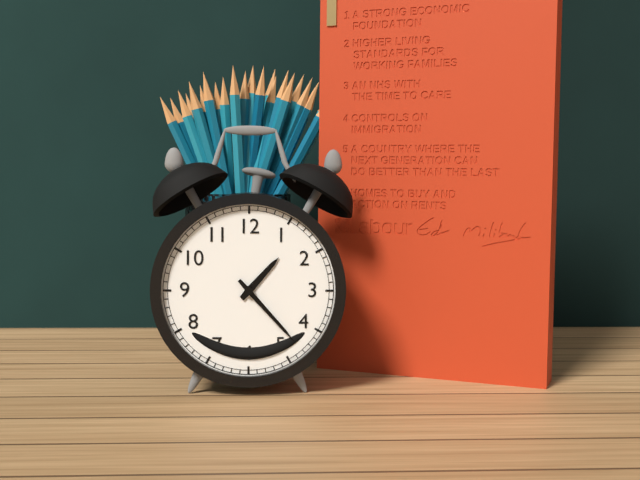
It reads 1 h 23 min
